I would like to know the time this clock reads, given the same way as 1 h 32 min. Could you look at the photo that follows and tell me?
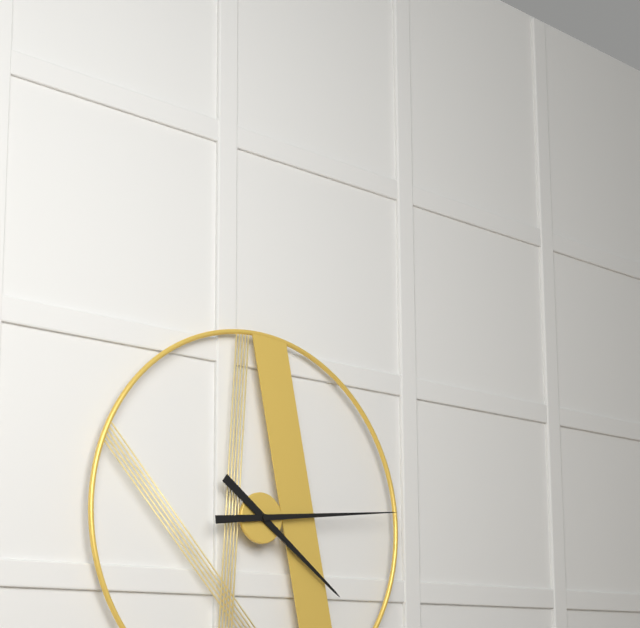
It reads 4 h 14 min
